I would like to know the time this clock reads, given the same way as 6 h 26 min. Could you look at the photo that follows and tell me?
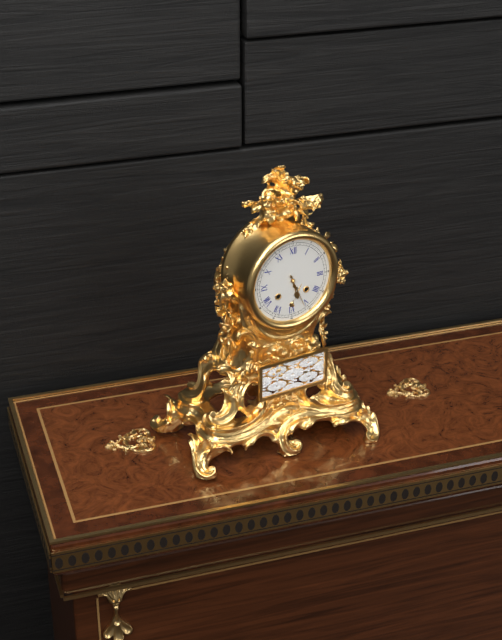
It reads 5 h 26 min
